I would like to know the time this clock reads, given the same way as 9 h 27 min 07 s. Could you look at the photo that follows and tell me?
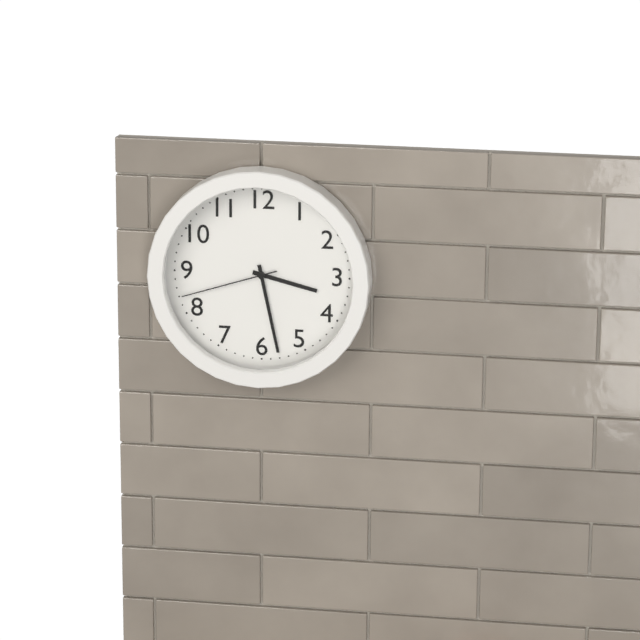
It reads 3 h 28 min 42 s
